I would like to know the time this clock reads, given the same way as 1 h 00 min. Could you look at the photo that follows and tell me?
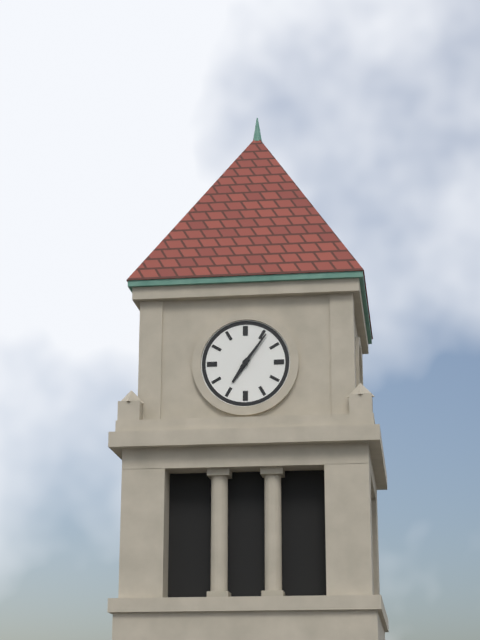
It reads 7 h 06 min
